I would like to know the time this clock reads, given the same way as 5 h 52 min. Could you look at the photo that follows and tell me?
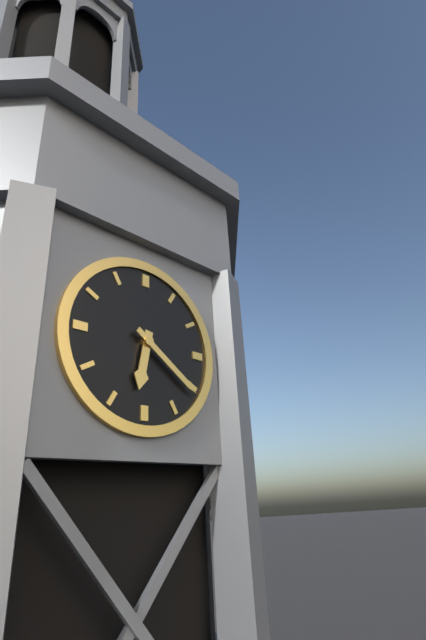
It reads 6 h 21 min
